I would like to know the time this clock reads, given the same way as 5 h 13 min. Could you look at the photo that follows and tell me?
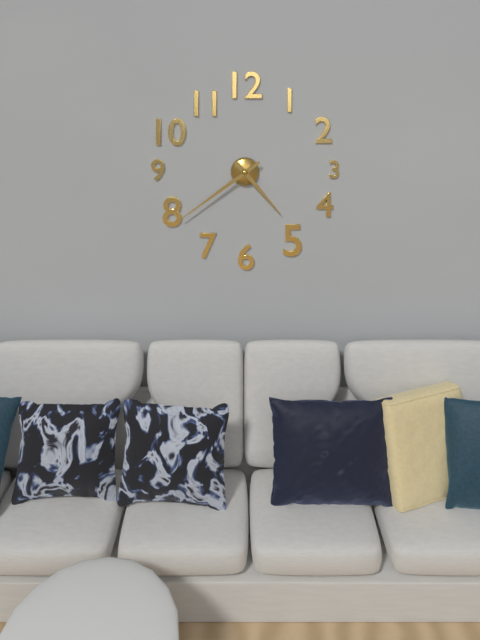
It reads 4 h 39 min
